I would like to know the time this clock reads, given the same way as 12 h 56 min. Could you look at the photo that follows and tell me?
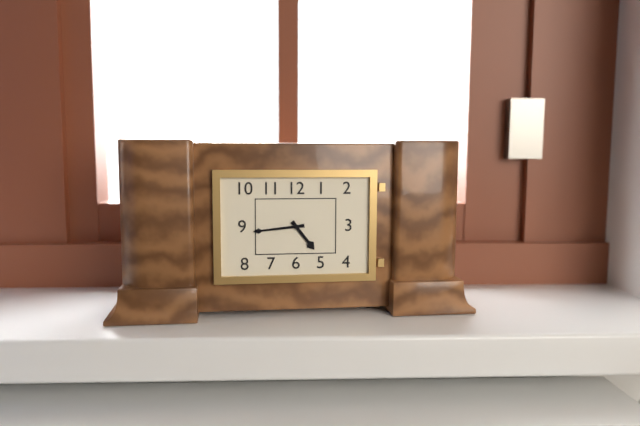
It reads 4 h 44 min
